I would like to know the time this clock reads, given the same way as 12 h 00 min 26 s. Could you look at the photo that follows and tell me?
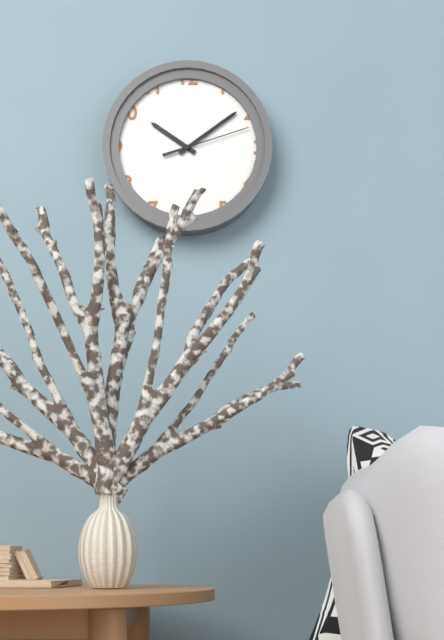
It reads 10 h 09 min 12 s
